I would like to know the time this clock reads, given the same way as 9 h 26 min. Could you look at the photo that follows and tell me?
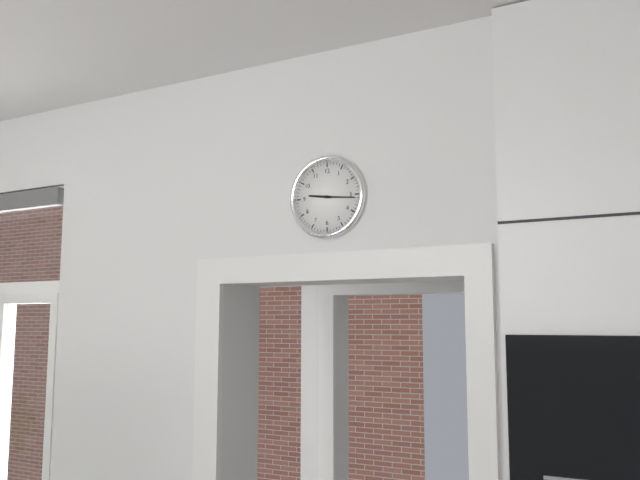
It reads 9 h 16 min
